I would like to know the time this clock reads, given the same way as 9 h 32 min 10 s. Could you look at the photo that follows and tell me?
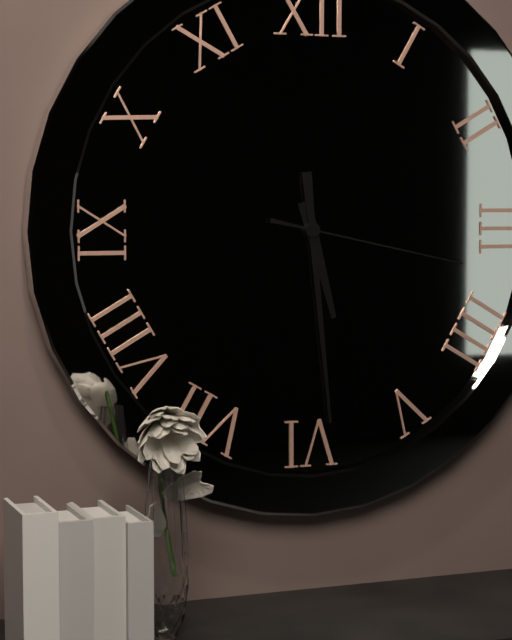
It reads 5 h 29 min 17 s
